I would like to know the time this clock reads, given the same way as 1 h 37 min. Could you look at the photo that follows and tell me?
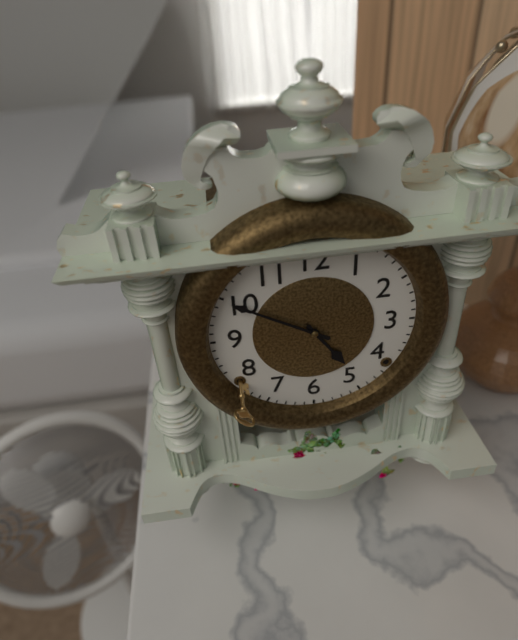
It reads 4 h 50 min
